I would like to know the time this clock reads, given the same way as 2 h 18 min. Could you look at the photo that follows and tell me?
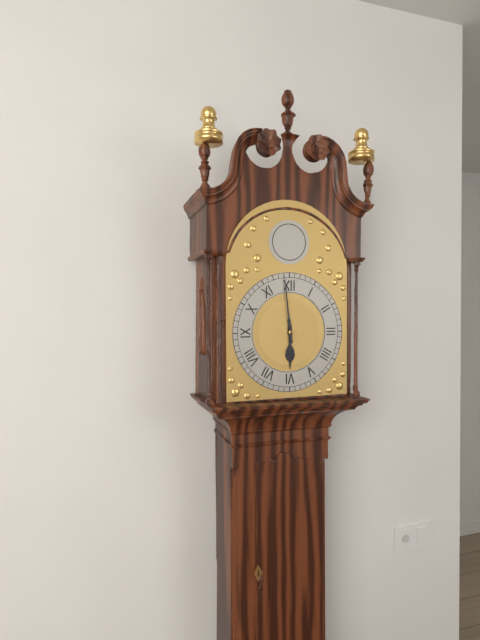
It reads 5 h 59 min
